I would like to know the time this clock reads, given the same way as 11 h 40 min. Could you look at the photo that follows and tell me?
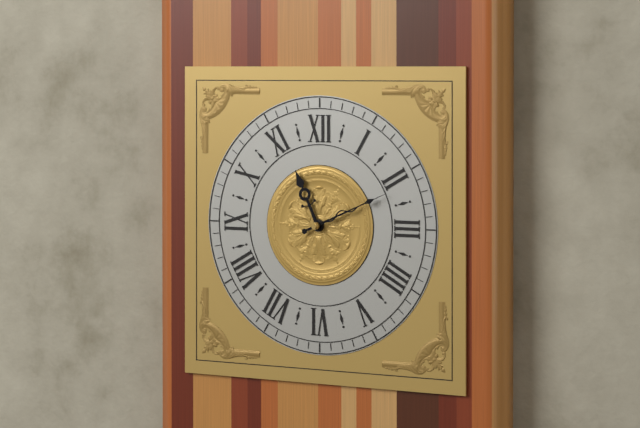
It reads 11 h 11 min
